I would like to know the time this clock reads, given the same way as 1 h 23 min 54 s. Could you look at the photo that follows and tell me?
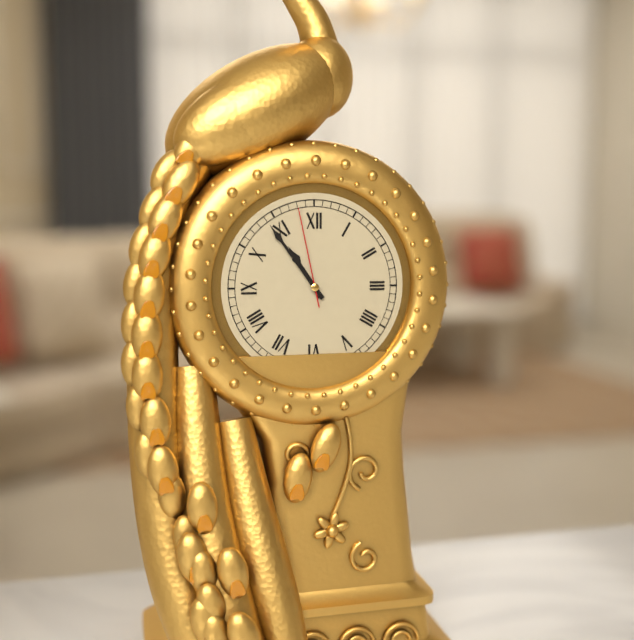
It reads 10 h 54 min 58 s
